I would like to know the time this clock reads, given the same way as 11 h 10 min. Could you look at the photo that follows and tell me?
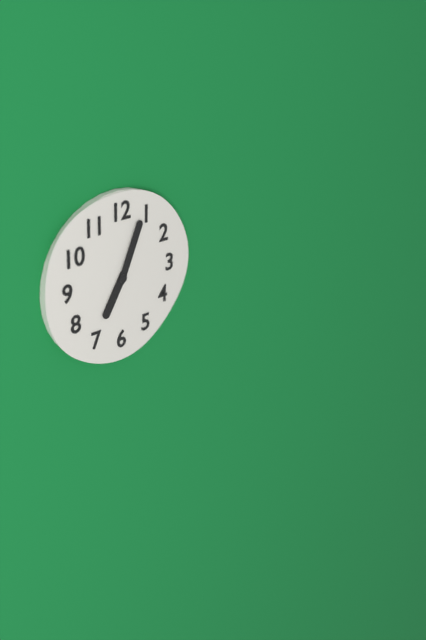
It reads 7 h 04 min
